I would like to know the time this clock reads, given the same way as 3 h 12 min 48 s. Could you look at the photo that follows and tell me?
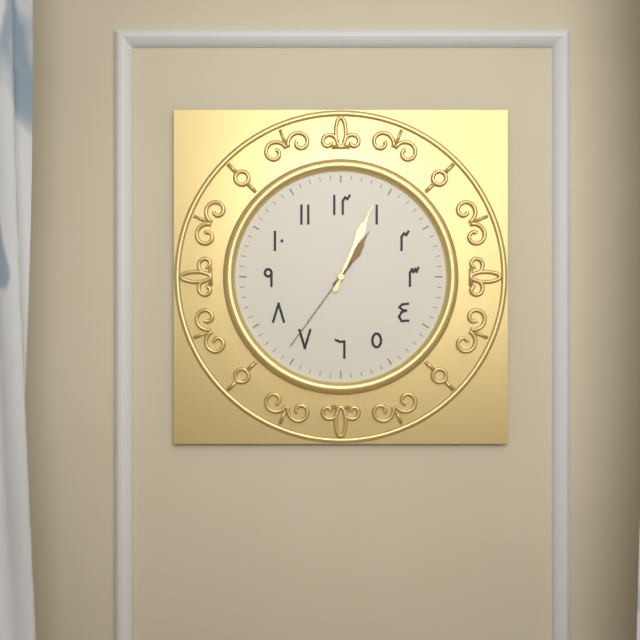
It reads 1 h 04 min 36 s
